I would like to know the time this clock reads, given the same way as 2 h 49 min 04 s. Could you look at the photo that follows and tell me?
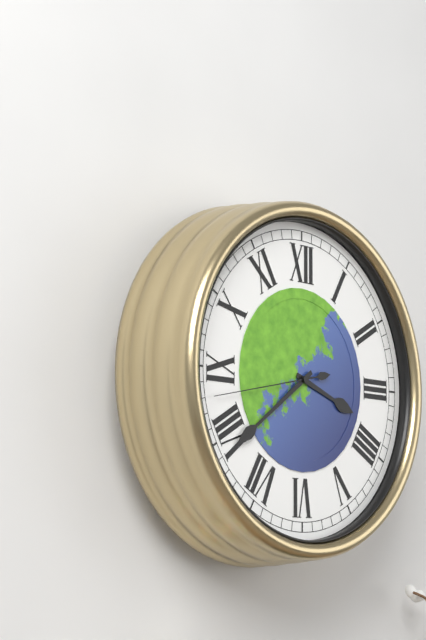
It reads 3 h 39 min 43 s
